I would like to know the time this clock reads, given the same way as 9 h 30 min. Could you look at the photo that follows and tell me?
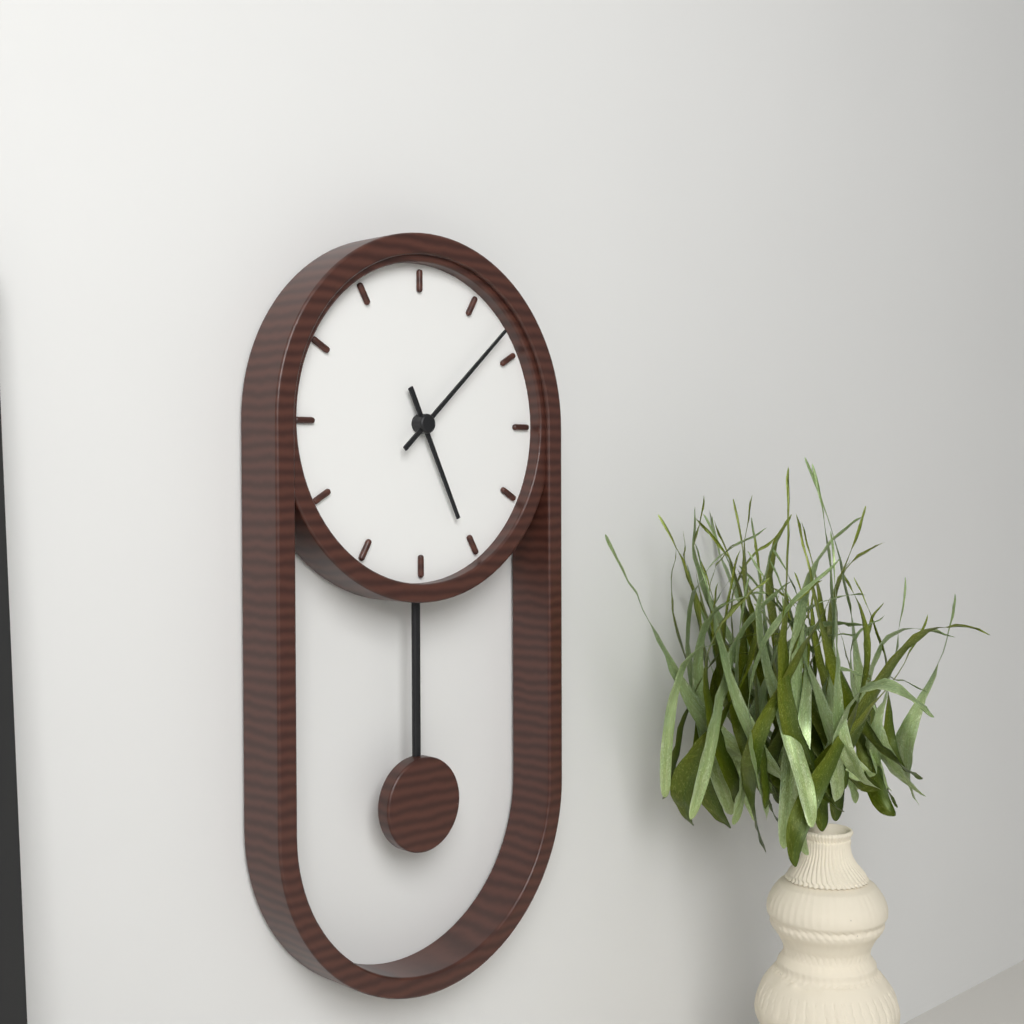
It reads 5 h 08 min
